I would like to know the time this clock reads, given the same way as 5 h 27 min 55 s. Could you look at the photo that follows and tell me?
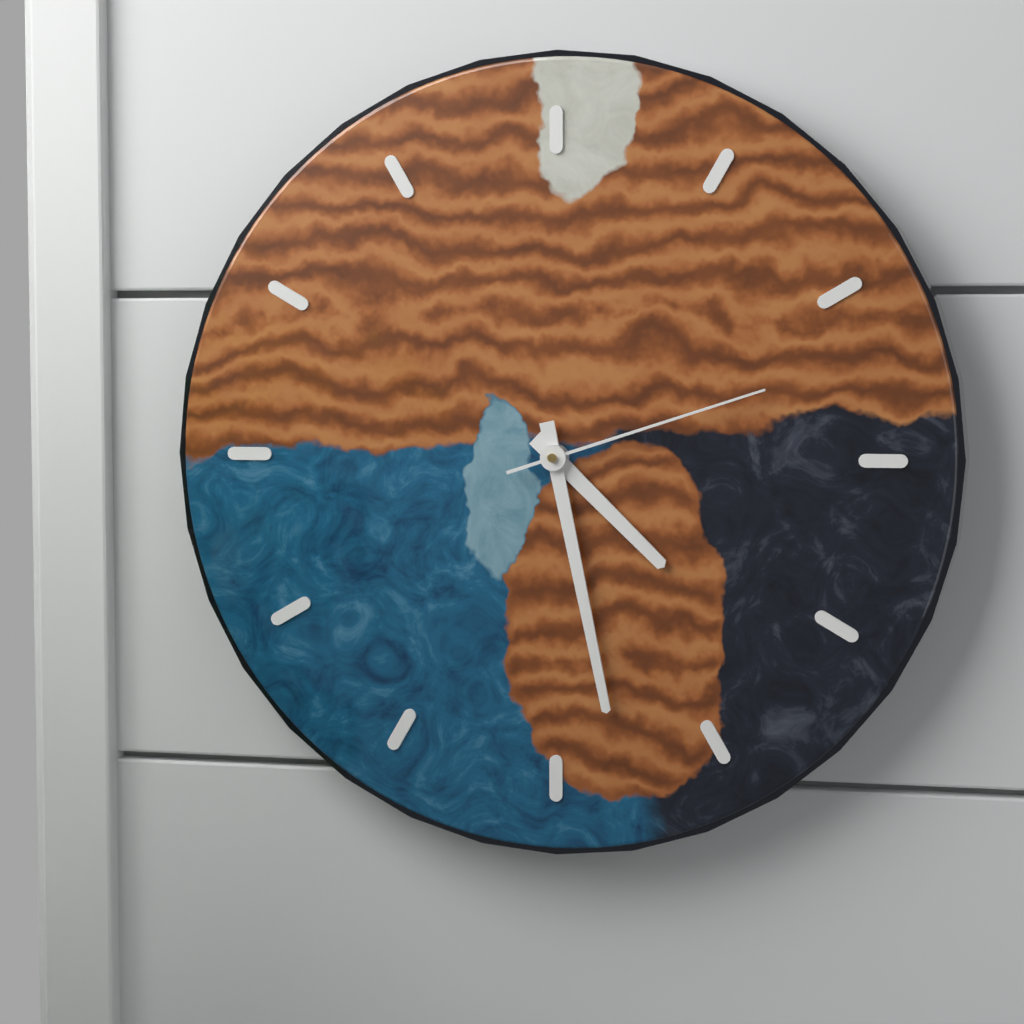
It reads 4 h 28 min 12 s
